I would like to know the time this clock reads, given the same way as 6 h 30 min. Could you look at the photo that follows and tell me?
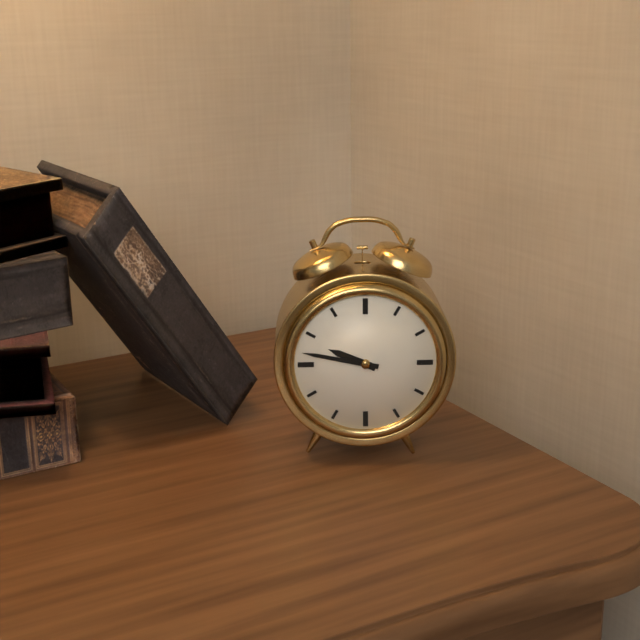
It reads 9 h 47 min
